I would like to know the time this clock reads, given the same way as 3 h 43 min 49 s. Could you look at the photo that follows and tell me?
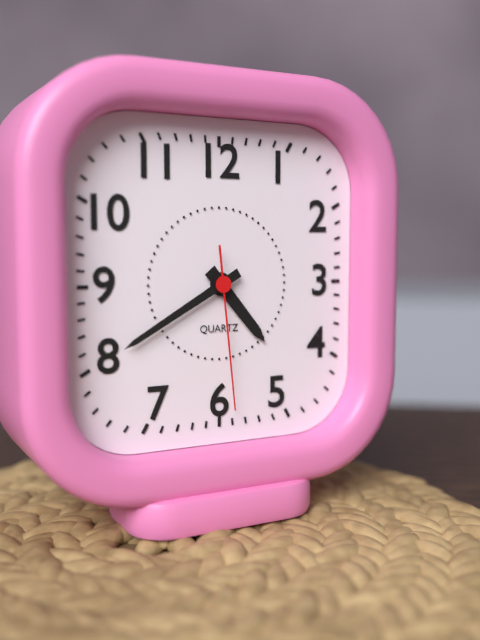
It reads 4 h 40 min 29 s
